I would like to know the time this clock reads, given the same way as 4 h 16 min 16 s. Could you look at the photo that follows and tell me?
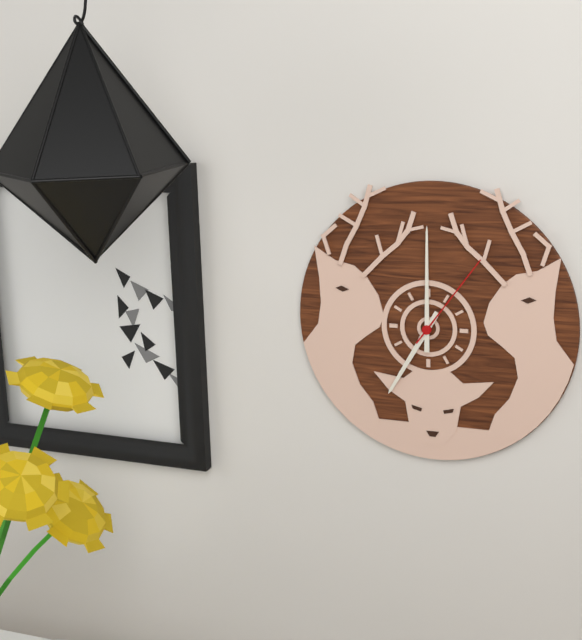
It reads 7 h 00 min 06 s
